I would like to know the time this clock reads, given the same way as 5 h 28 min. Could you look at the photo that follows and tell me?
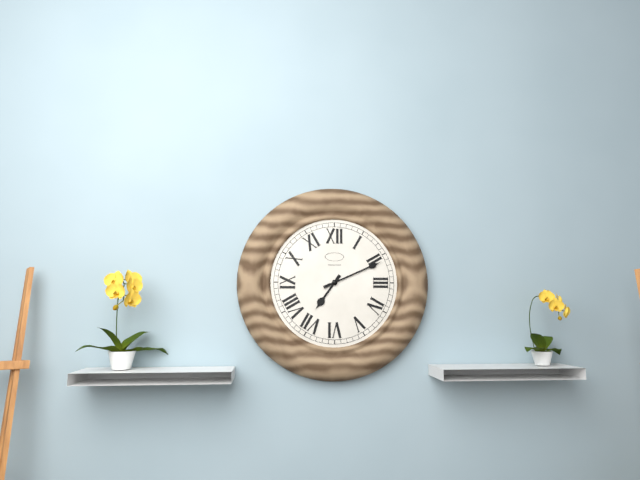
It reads 7 h 11 min
